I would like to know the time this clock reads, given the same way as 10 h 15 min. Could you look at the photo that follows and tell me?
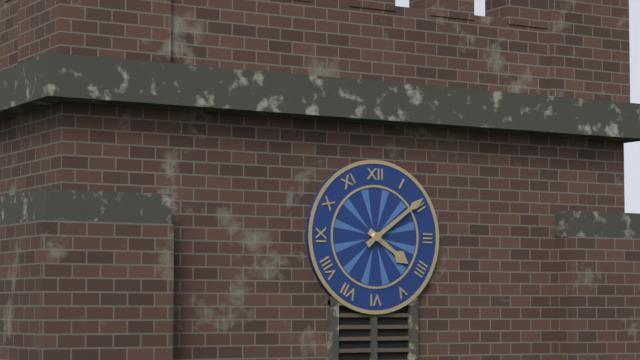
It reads 4 h 09 min
